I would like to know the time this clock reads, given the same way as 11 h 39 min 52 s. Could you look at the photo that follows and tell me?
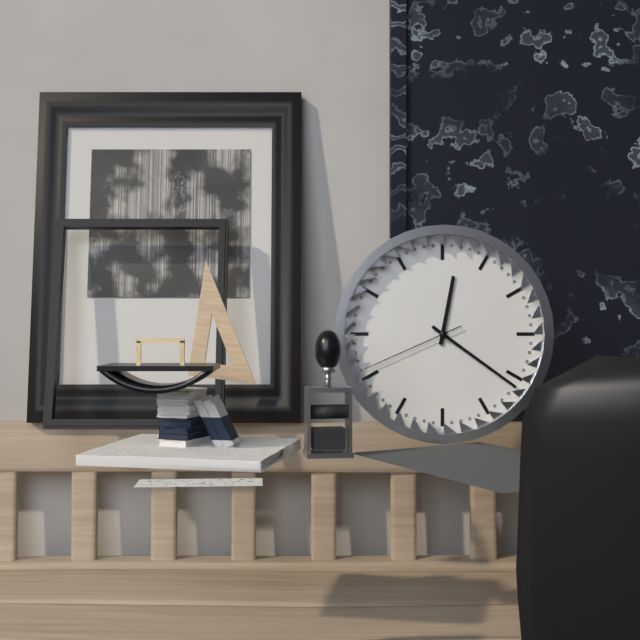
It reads 12 h 21 min 41 s
